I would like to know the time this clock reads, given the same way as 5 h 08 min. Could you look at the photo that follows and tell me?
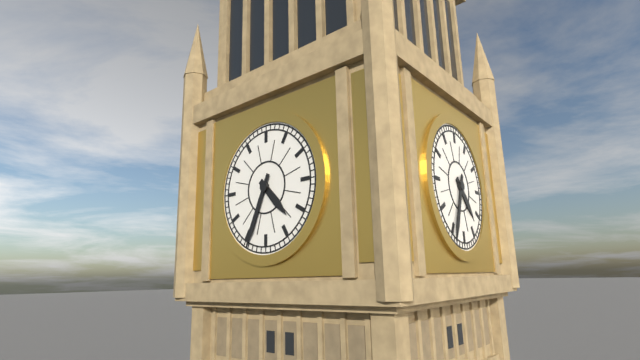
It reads 4 h 34 min
